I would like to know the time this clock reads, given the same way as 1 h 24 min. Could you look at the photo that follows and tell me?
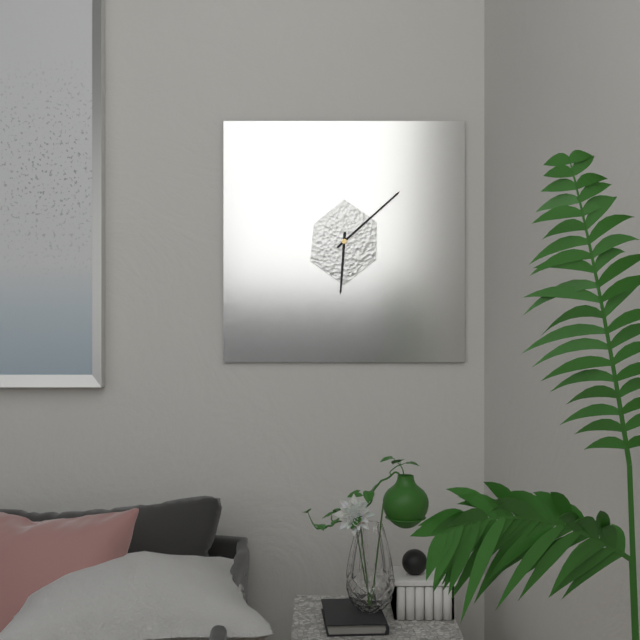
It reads 6 h 08 min
